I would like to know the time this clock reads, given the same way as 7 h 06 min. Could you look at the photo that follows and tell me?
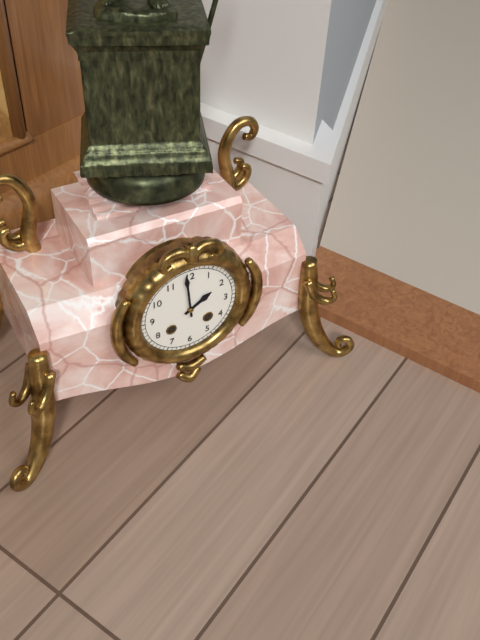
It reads 1 h 59 min
